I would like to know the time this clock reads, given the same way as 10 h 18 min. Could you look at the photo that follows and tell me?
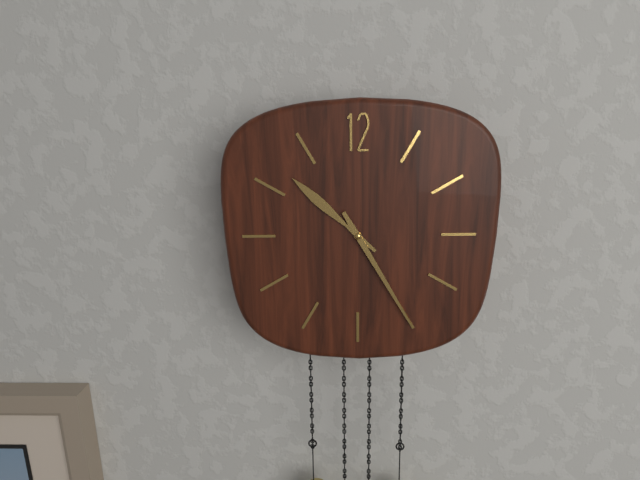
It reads 10 h 25 min
